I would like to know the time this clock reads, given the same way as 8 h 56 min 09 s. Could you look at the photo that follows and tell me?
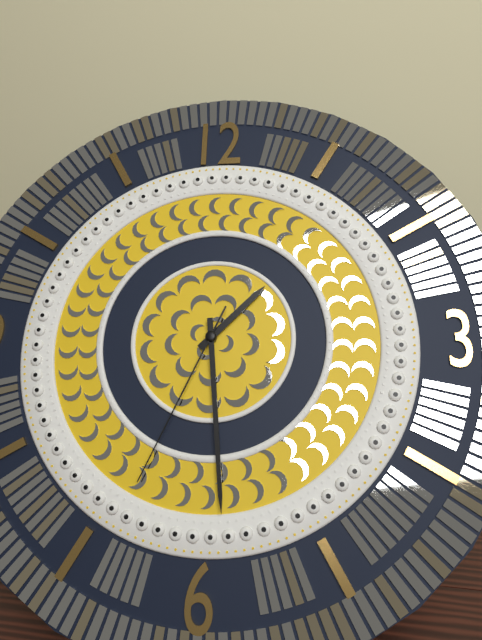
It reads 1 h 29 min 34 s
